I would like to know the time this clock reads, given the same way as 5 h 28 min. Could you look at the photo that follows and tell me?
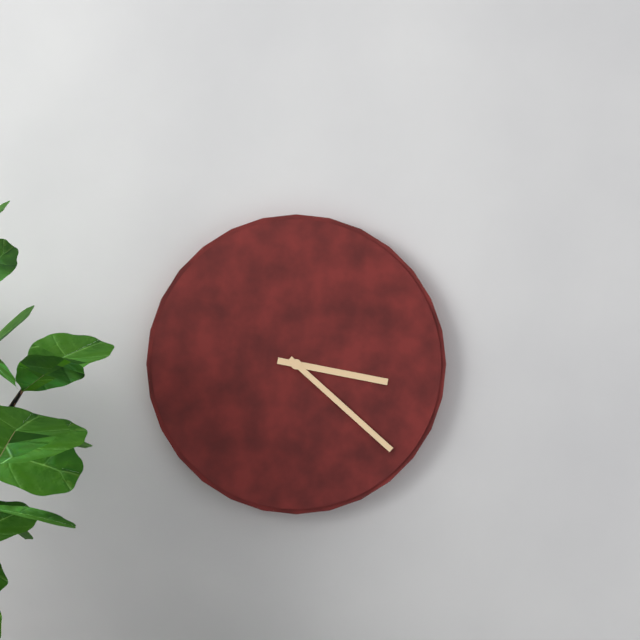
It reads 3 h 22 min
